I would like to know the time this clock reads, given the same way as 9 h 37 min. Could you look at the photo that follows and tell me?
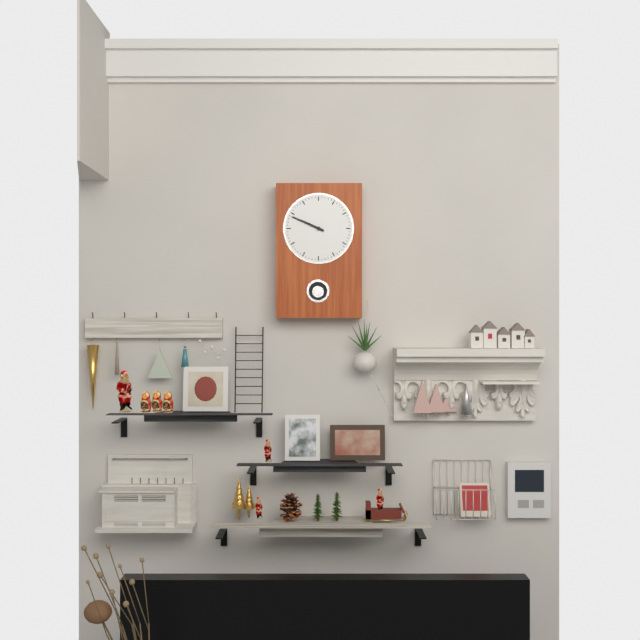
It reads 9 h 49 min
